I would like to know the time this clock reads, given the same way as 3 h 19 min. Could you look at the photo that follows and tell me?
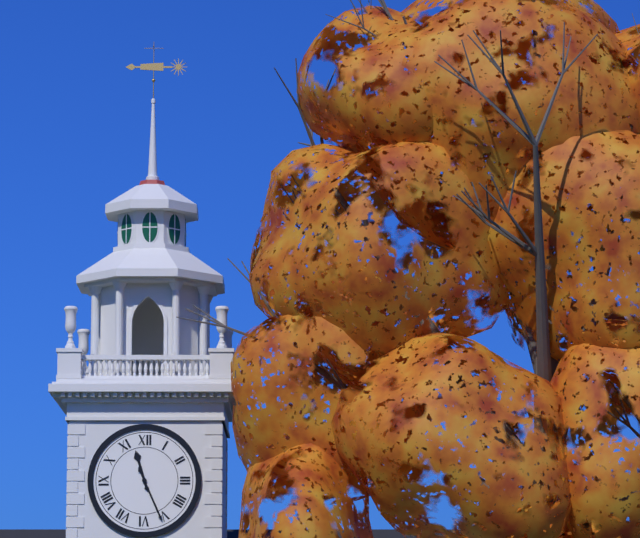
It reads 11 h 26 min
